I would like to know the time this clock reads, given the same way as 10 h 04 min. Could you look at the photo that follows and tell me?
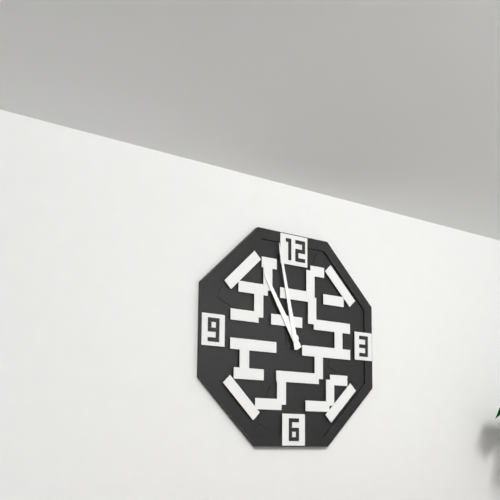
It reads 10 h 58 min
